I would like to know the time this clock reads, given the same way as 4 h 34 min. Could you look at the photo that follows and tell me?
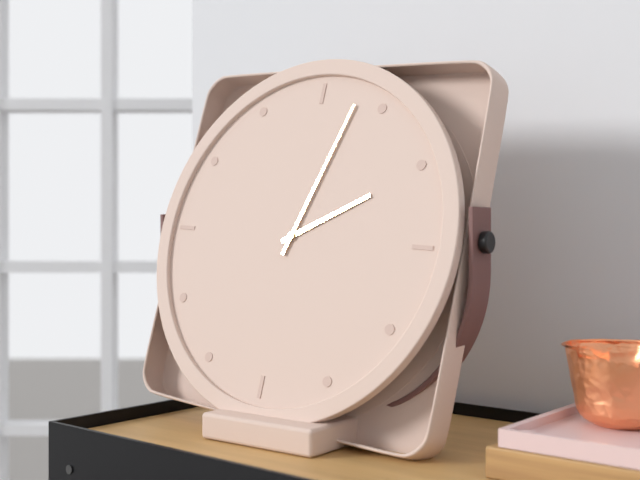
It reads 2 h 03 min
